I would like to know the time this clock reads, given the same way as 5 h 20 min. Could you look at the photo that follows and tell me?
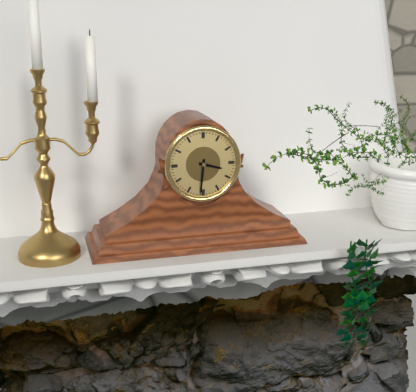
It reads 3 h 31 min
